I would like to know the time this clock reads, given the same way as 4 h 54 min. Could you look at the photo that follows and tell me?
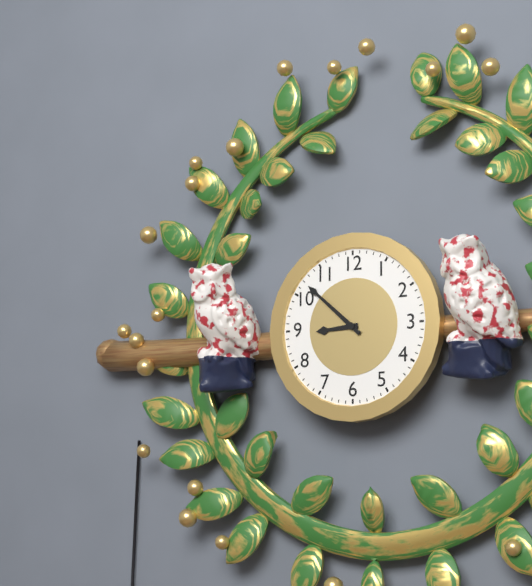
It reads 8 h 52 min
